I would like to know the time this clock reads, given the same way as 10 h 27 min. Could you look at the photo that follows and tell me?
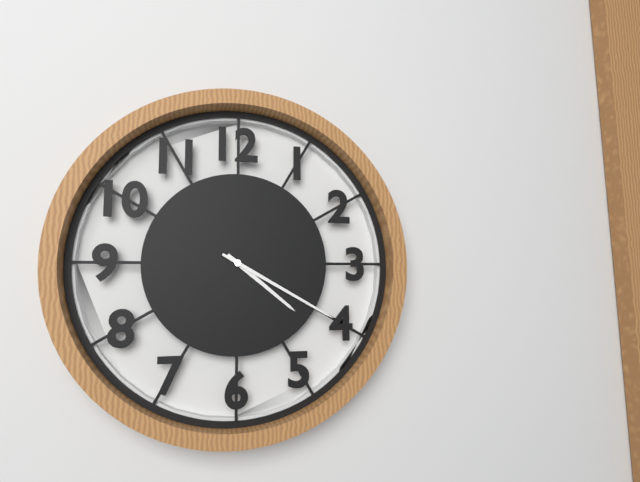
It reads 4 h 20 min
